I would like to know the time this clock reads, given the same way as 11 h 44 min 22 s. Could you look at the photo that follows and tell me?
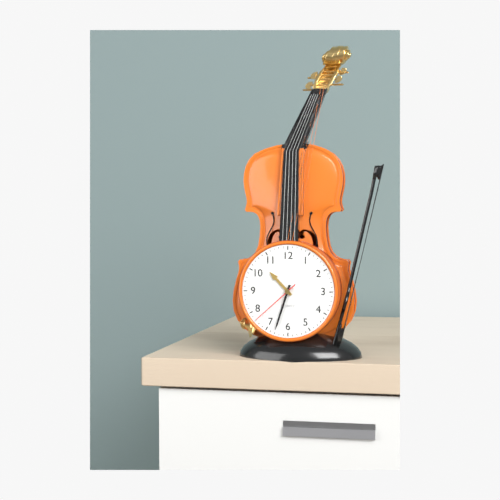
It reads 10 h 33 min 38 s
